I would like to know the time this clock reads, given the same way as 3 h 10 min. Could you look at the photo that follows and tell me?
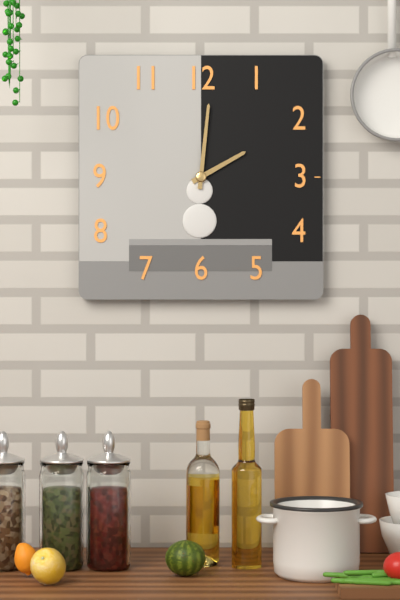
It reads 2 h 01 min
